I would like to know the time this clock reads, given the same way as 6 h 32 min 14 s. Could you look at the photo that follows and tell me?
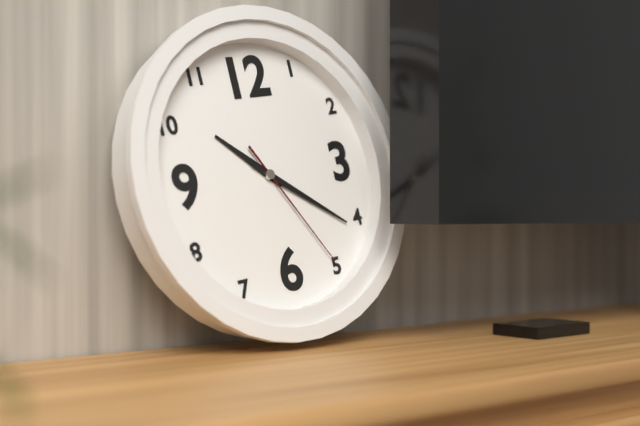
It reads 10 h 21 min 25 s
